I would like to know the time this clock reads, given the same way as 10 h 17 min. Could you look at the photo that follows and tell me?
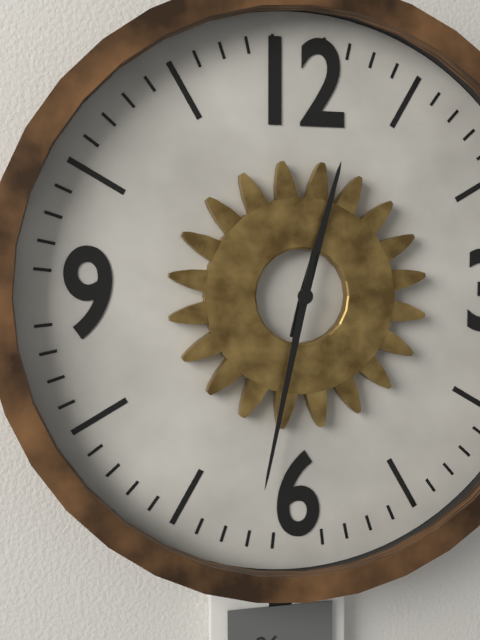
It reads 12 h 32 min
